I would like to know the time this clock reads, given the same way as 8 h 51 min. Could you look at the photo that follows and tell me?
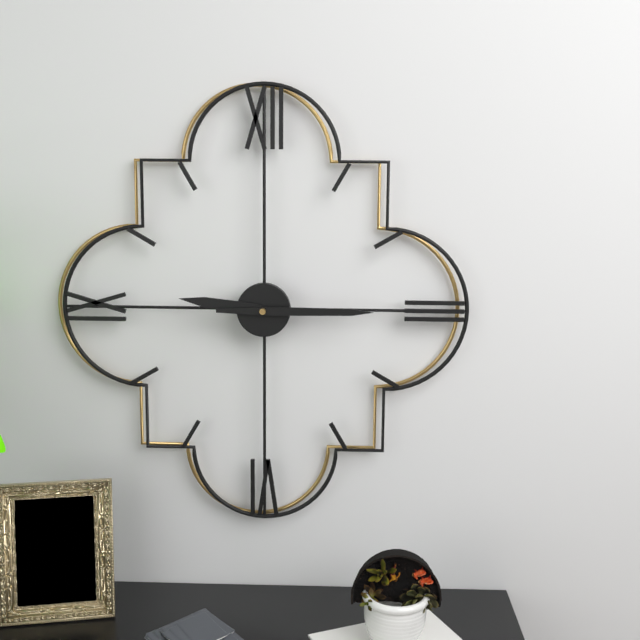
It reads 9 h 15 min
